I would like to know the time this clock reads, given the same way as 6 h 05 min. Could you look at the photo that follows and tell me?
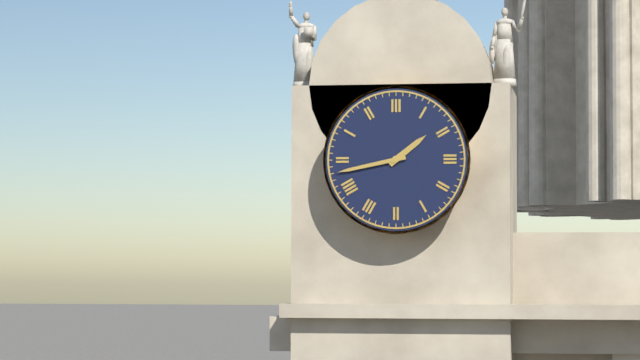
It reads 1 h 43 min
